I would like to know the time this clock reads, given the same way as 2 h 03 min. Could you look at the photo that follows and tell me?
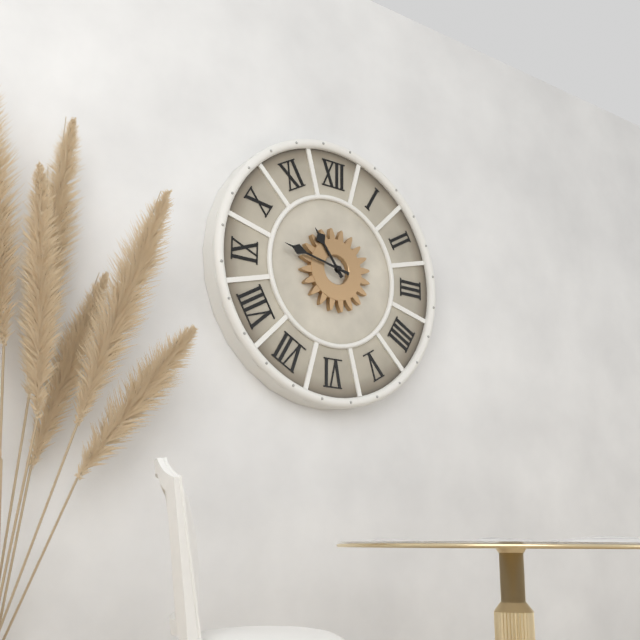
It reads 10 h 47 min
